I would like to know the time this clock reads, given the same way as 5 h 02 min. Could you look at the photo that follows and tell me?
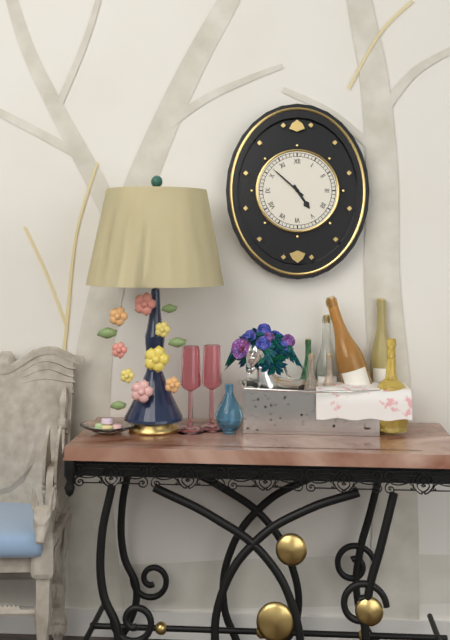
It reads 4 h 52 min
